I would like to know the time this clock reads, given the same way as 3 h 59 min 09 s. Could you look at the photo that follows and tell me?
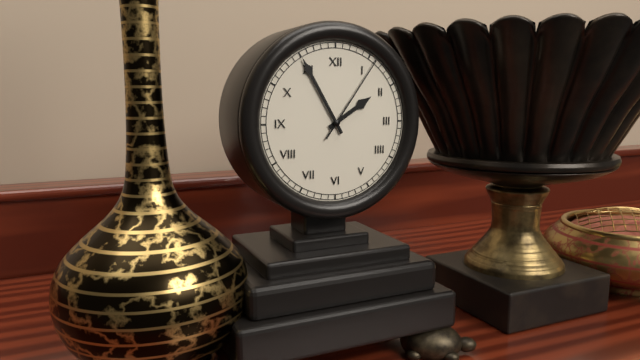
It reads 1 h 55 min 06 s
